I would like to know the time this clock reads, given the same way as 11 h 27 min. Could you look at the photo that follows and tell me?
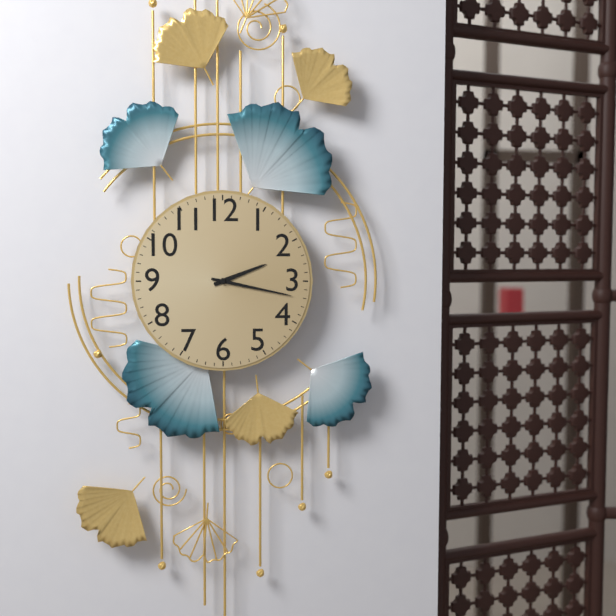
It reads 2 h 17 min
